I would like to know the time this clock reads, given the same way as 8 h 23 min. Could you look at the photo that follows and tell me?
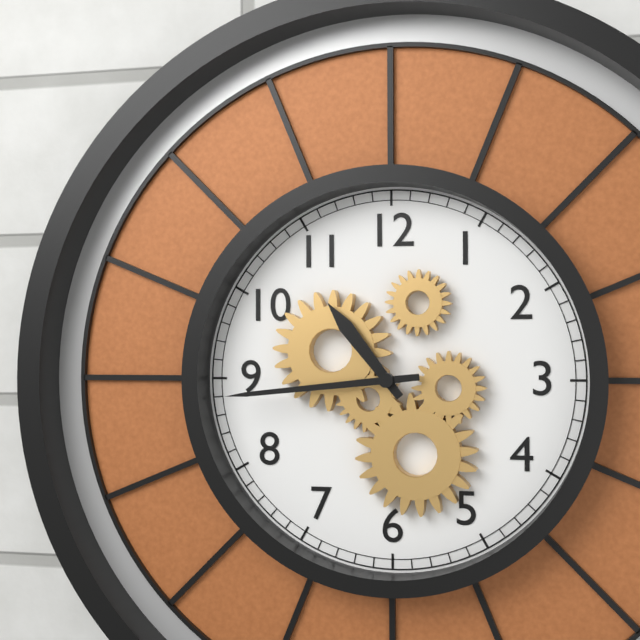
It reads 10 h 44 min
